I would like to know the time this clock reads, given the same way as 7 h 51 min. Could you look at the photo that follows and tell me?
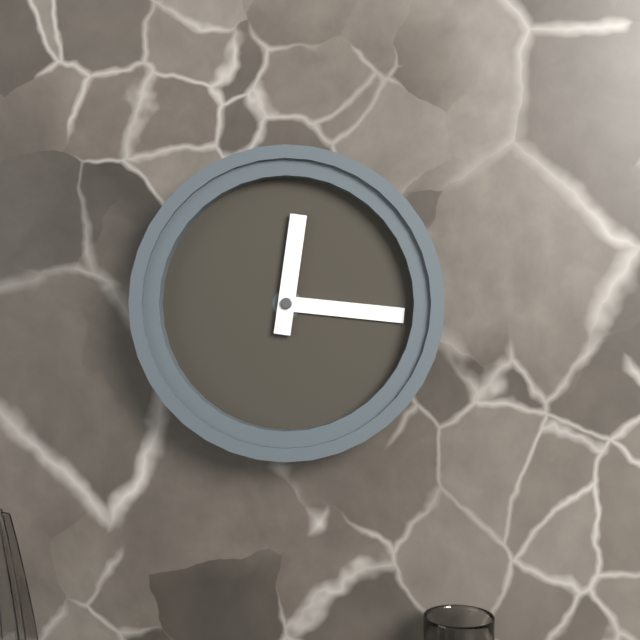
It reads 12 h 16 min
